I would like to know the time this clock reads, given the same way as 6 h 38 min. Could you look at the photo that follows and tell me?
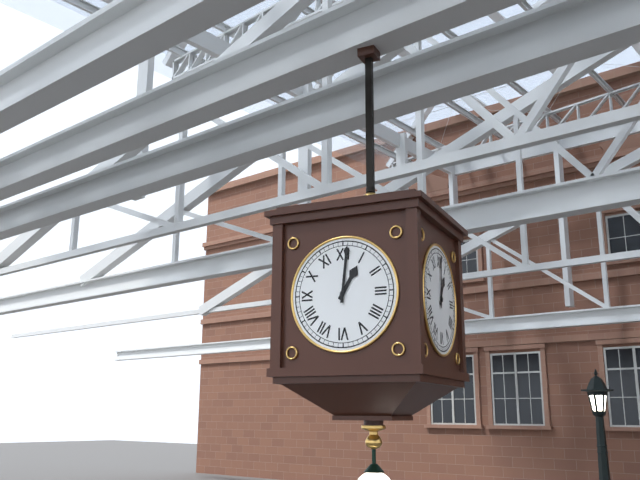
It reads 1 h 01 min
